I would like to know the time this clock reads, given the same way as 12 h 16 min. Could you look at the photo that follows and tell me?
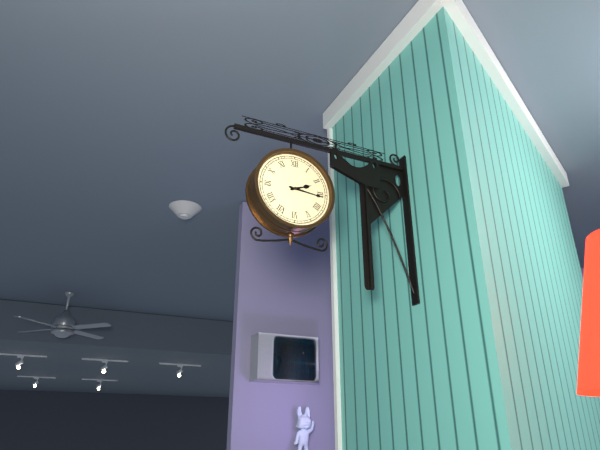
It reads 2 h 16 min
